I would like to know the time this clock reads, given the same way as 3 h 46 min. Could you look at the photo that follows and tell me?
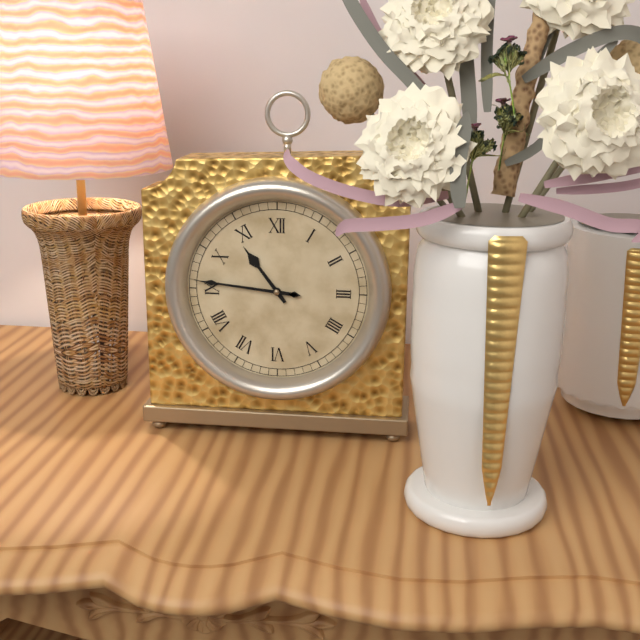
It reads 10 h 46 min
